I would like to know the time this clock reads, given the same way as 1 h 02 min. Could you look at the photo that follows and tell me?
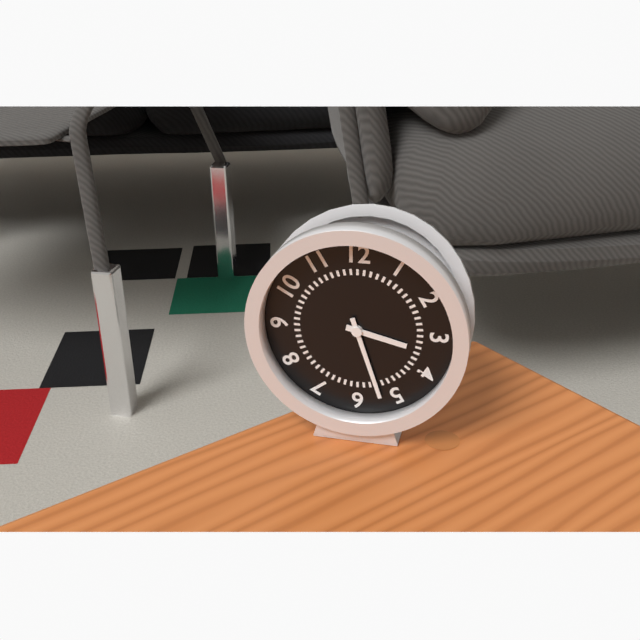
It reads 3 h 27 min
